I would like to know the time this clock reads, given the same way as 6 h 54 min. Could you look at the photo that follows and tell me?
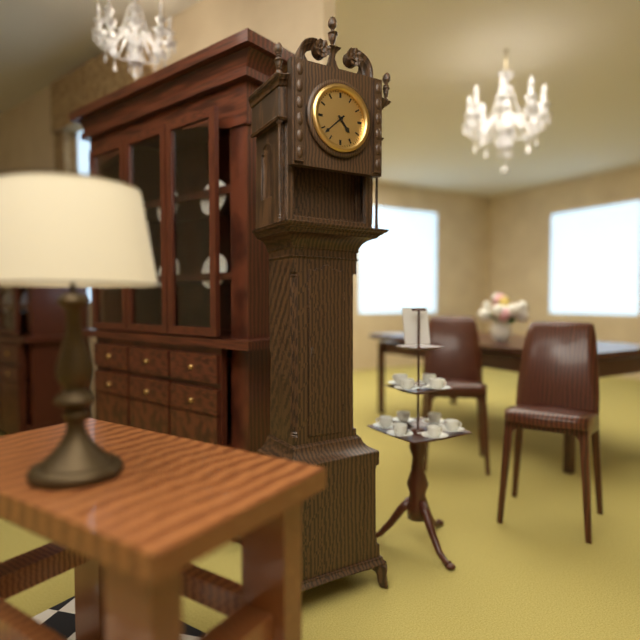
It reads 4 h 38 min
